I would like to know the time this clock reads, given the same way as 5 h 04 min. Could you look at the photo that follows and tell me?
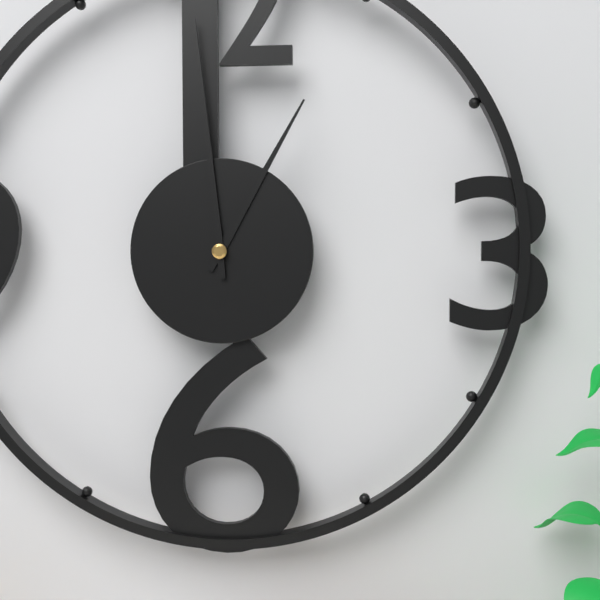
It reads 12 h 59 min
